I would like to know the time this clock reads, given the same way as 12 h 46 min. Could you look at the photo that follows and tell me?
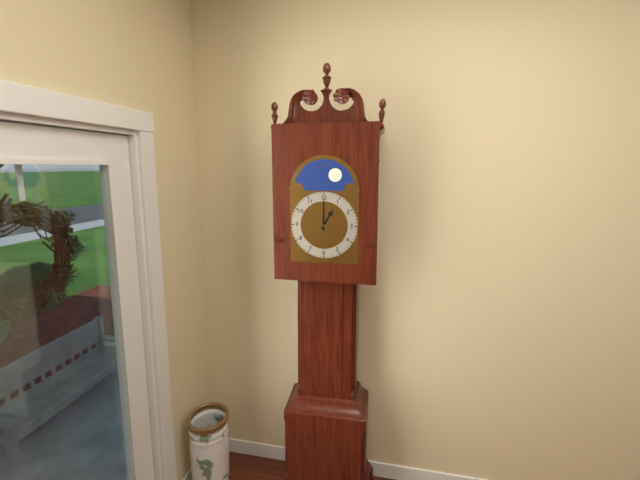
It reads 1 h 00 min
